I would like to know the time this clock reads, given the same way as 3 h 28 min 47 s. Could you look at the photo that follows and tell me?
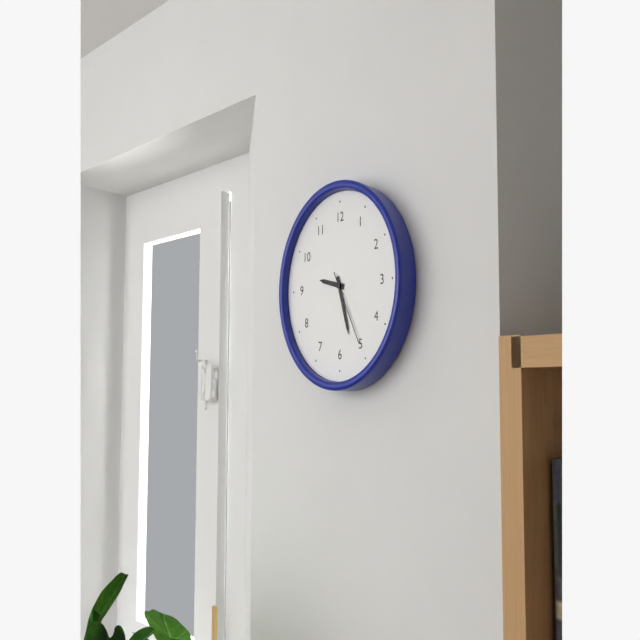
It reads 9 h 27 min 25 s
